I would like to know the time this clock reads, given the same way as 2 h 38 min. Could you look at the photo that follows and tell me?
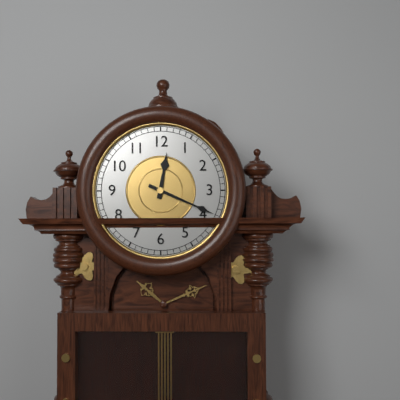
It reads 12 h 19 min
